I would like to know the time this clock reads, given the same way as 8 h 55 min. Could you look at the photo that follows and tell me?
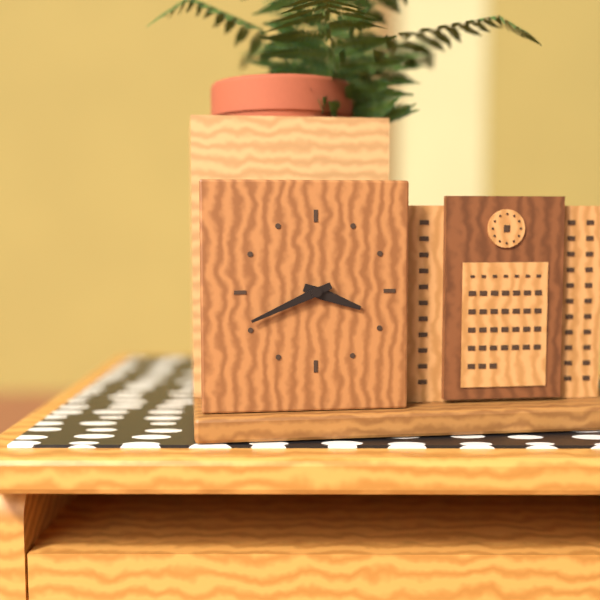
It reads 3 h 41 min
